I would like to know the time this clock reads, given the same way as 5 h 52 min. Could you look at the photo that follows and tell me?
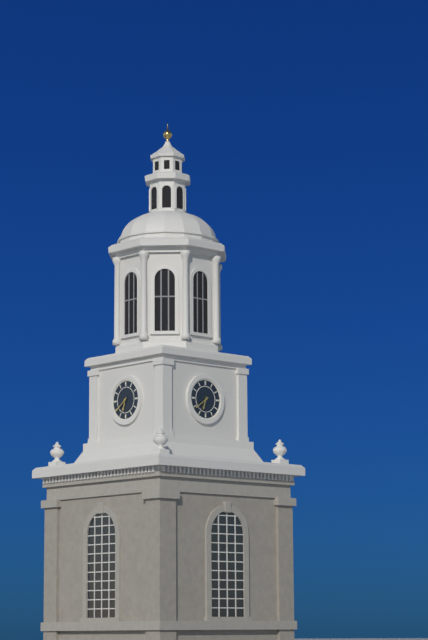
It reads 6 h 39 min
